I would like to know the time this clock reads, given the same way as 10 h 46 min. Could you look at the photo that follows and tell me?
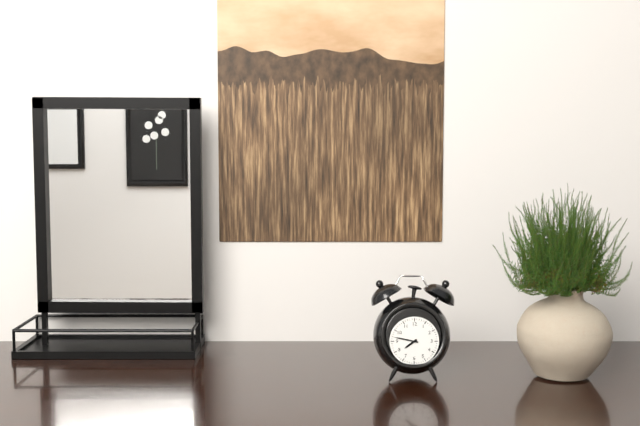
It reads 7 h 47 min
